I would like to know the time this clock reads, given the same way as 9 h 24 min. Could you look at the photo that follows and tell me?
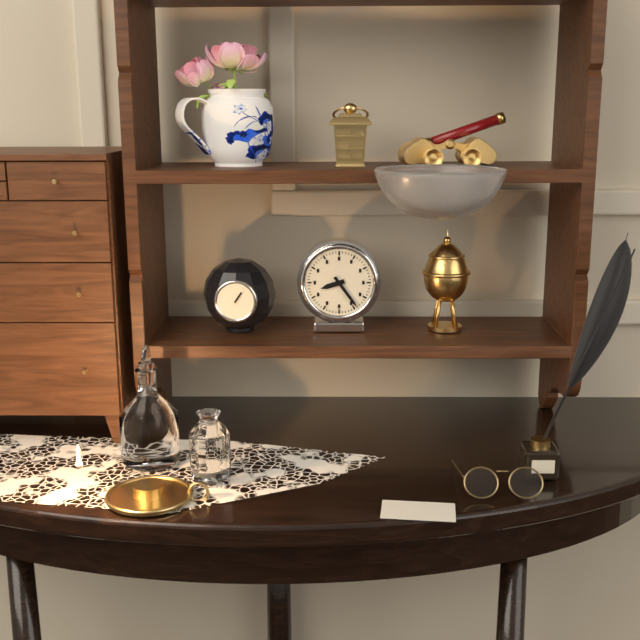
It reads 8 h 24 min
